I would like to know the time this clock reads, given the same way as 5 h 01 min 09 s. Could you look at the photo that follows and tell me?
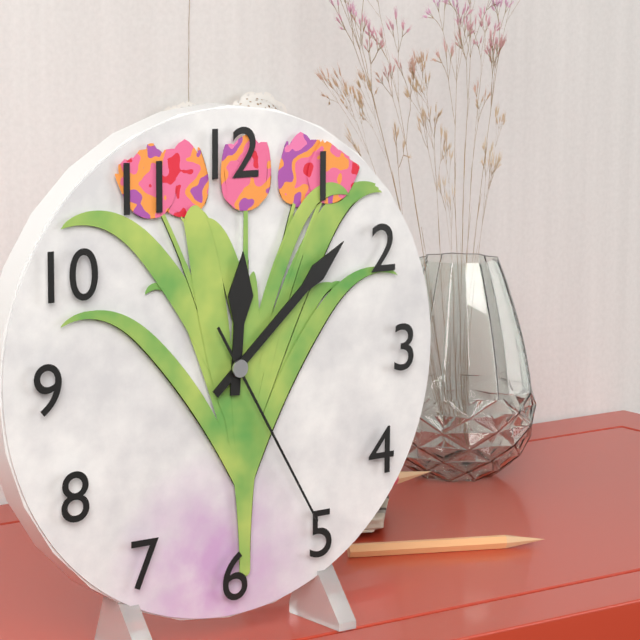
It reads 12 h 08 min 25 s
